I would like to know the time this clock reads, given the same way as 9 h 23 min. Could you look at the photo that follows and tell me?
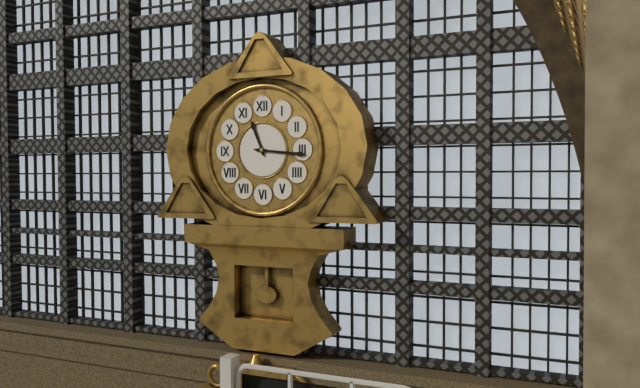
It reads 11 h 16 min
